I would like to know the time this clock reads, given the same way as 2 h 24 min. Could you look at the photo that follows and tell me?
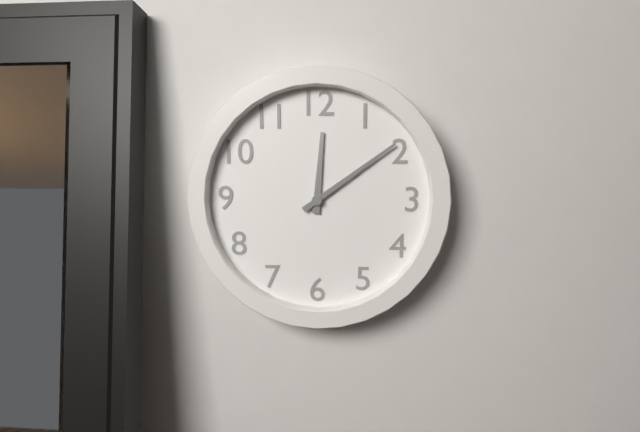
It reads 12 h 09 min
